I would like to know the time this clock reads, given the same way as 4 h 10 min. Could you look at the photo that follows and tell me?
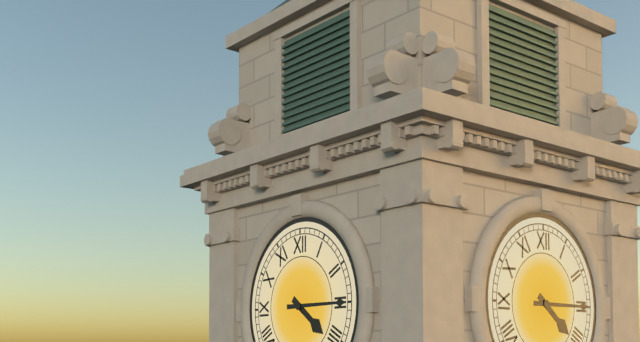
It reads 4 h 15 min
